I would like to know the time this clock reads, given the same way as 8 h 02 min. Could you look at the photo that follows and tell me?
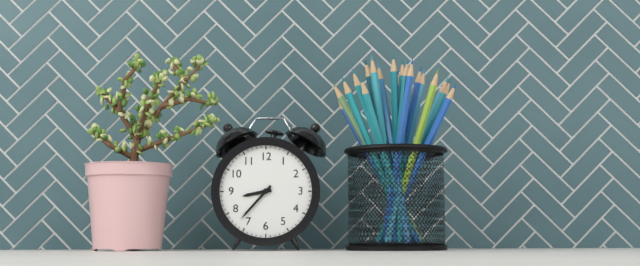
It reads 8 h 37 min
